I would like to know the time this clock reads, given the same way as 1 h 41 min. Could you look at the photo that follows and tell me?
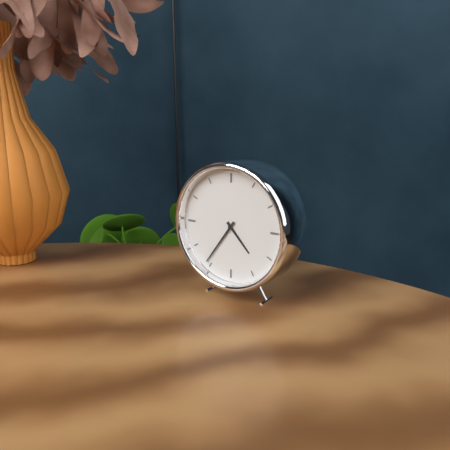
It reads 4 h 36 min
